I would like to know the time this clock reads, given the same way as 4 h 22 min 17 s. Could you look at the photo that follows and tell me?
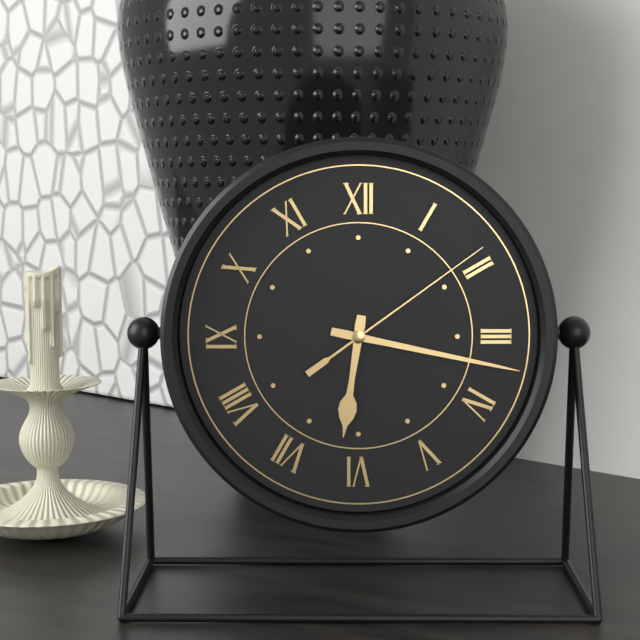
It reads 6 h 17 min 09 s
